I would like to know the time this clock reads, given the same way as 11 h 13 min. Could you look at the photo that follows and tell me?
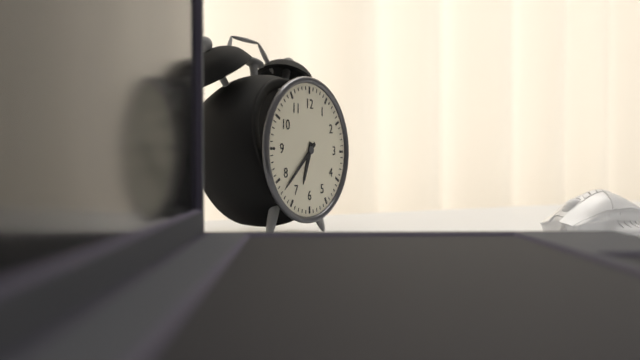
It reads 6 h 38 min
